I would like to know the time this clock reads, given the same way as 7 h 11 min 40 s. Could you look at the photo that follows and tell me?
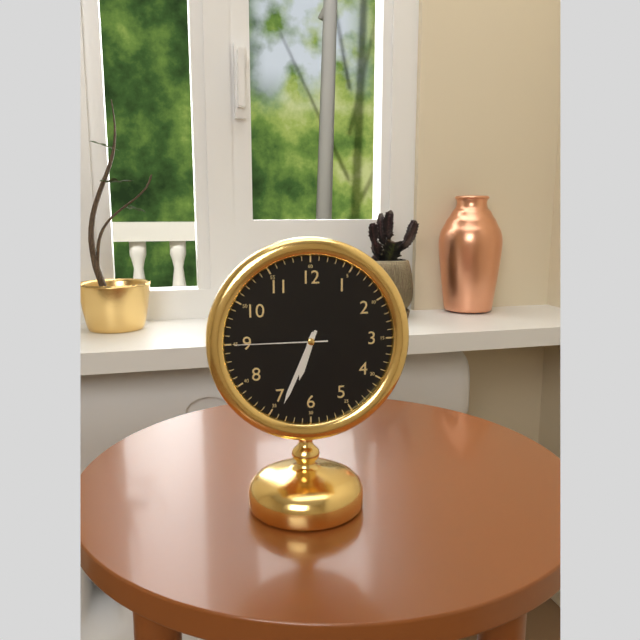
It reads 6 h 34 min 45 s
